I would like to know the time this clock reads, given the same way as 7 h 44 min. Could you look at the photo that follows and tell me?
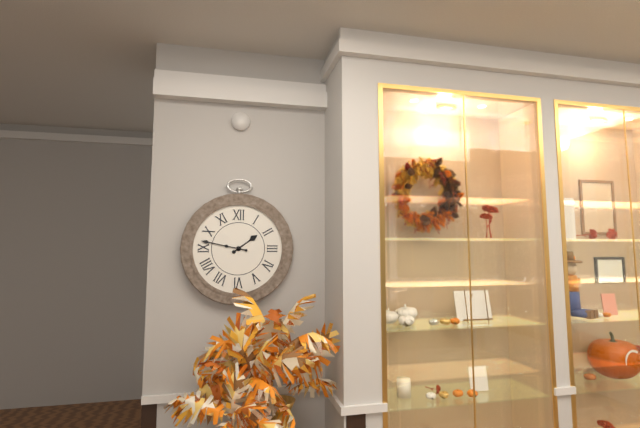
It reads 1 h 47 min
